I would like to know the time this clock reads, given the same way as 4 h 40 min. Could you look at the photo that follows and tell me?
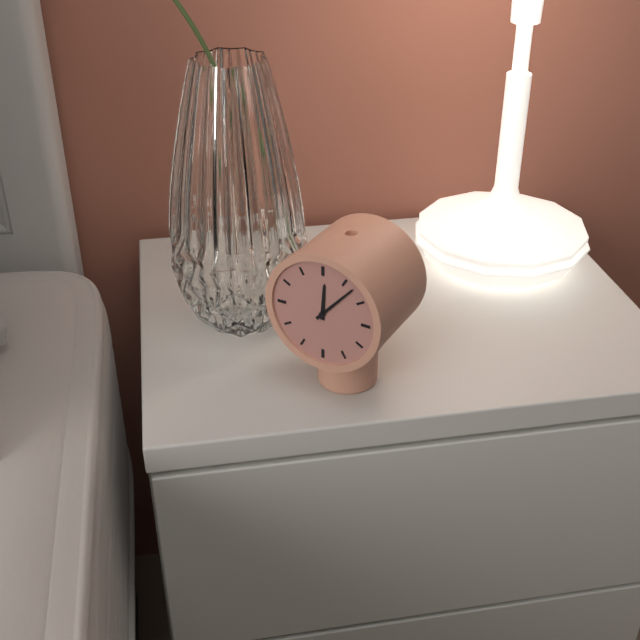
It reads 12 h 07 min
